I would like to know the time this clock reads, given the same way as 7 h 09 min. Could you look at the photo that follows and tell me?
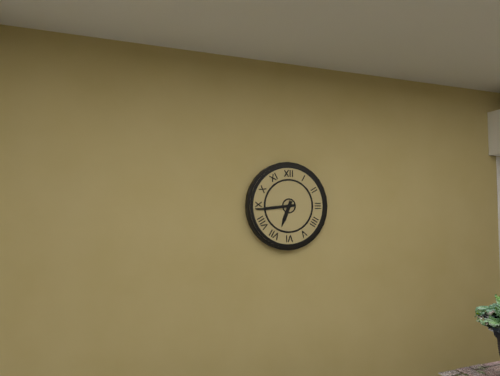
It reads 6 h 44 min
